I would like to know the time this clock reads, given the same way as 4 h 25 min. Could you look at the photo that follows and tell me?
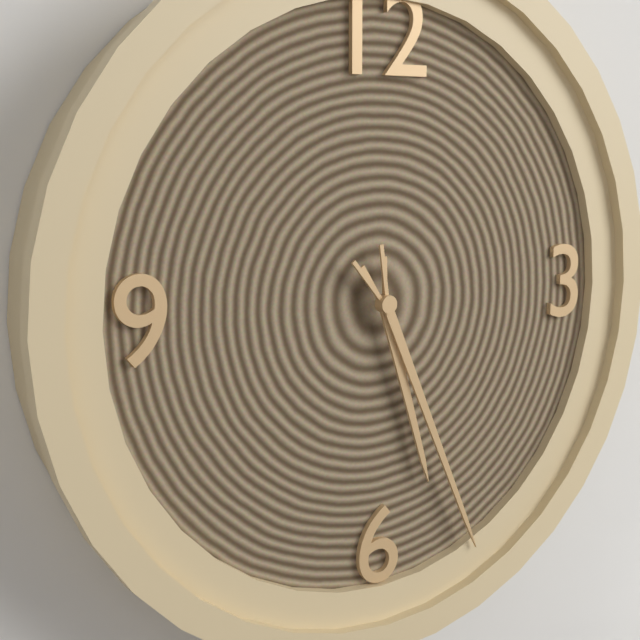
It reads 5 h 26 min
